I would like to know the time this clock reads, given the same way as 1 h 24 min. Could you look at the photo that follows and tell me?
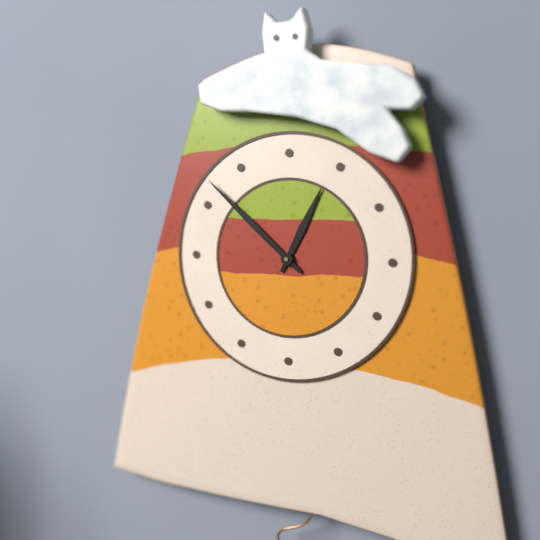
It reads 12 h 52 min
